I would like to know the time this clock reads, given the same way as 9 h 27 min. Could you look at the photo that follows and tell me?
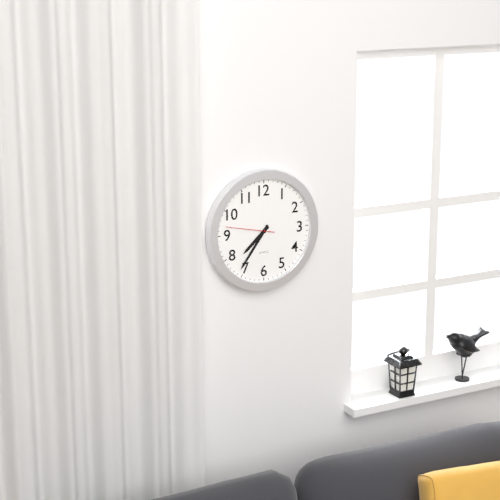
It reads 7 h 36 min
